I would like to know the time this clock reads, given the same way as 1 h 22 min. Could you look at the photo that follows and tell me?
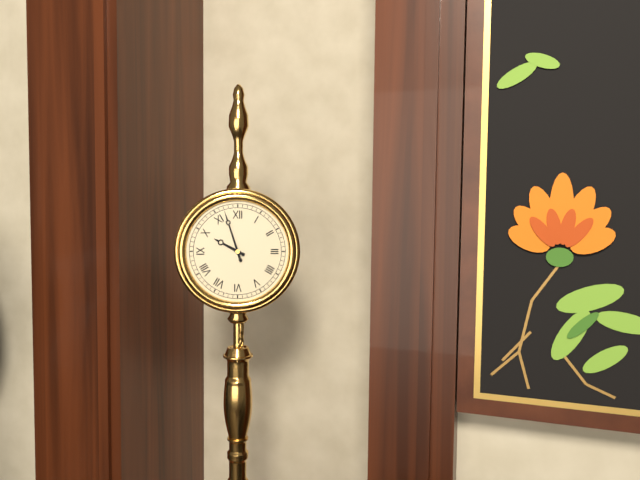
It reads 9 h 57 min
